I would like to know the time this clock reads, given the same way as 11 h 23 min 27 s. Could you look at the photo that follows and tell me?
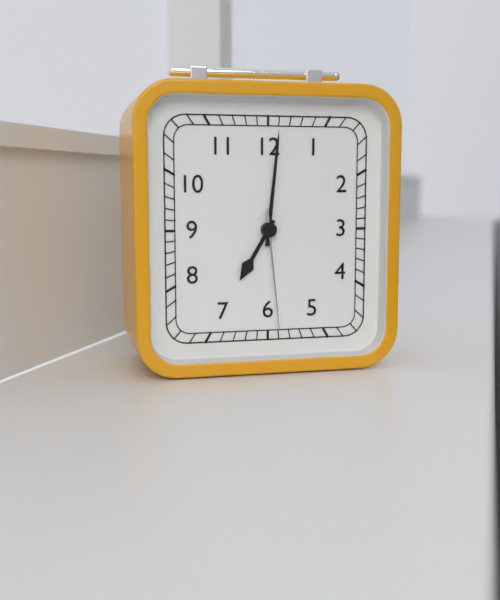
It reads 7 h 01 min 29 s
